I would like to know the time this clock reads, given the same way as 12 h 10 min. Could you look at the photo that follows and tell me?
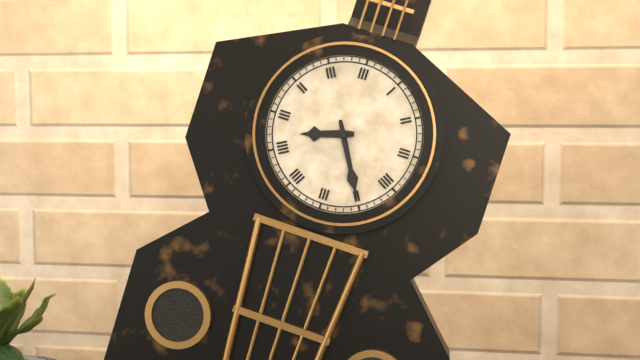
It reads 8 h 25 min
